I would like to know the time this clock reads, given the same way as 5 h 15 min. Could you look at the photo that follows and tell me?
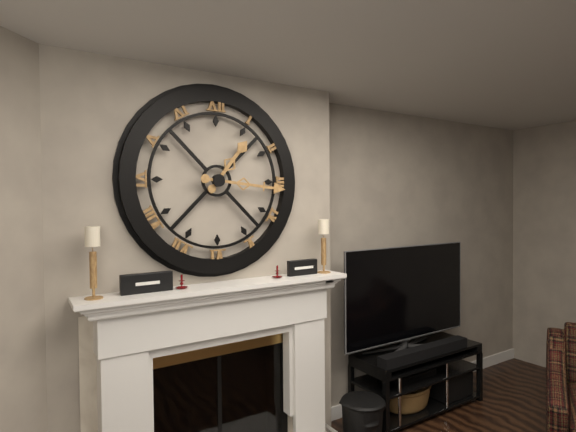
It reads 1 h 16 min
